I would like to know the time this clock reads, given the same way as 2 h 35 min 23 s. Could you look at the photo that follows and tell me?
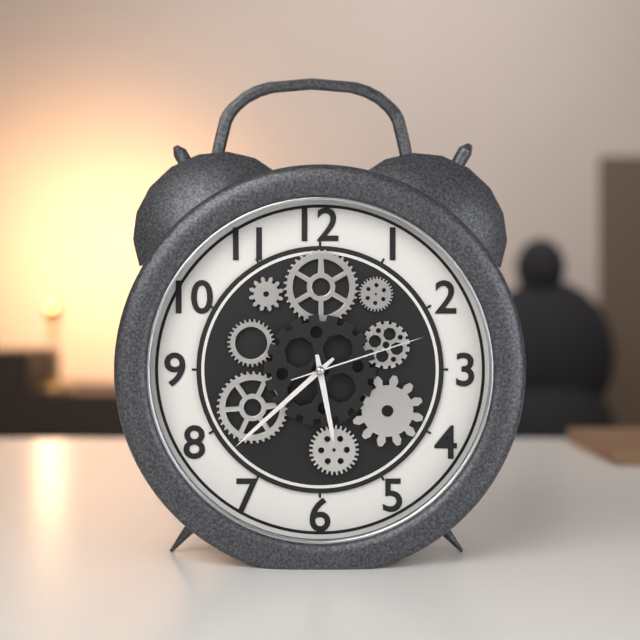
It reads 5 h 38 min 12 s
